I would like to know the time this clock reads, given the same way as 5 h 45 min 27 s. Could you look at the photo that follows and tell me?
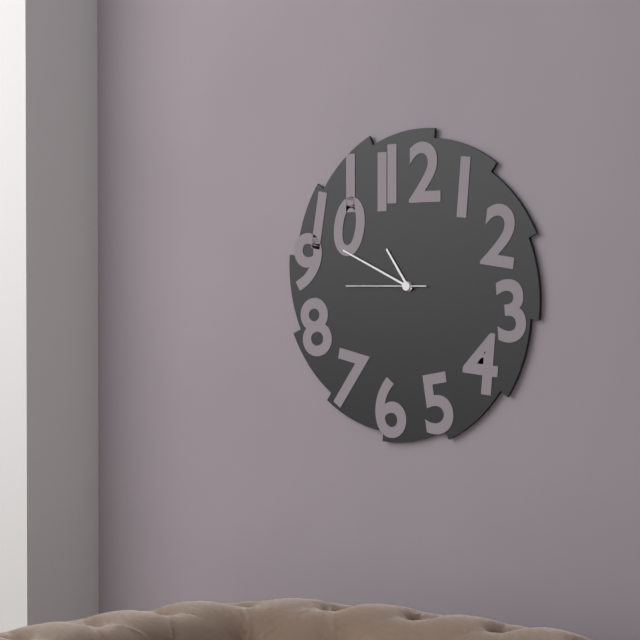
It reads 10 h 49 min 45 s
